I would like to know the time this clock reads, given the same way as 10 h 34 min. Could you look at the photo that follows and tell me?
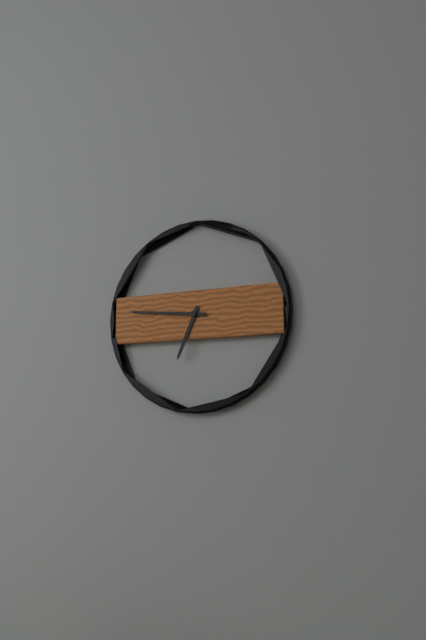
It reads 6 h 46 min
